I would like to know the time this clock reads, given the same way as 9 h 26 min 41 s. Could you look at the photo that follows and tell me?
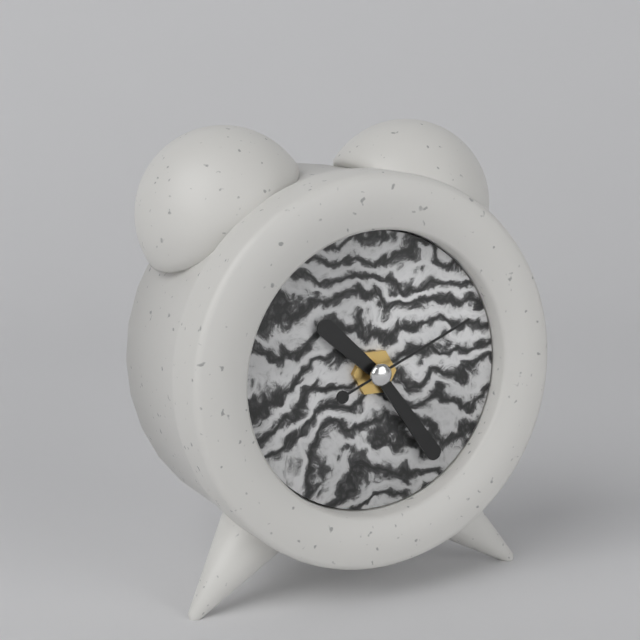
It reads 10 h 24 min 11 s
